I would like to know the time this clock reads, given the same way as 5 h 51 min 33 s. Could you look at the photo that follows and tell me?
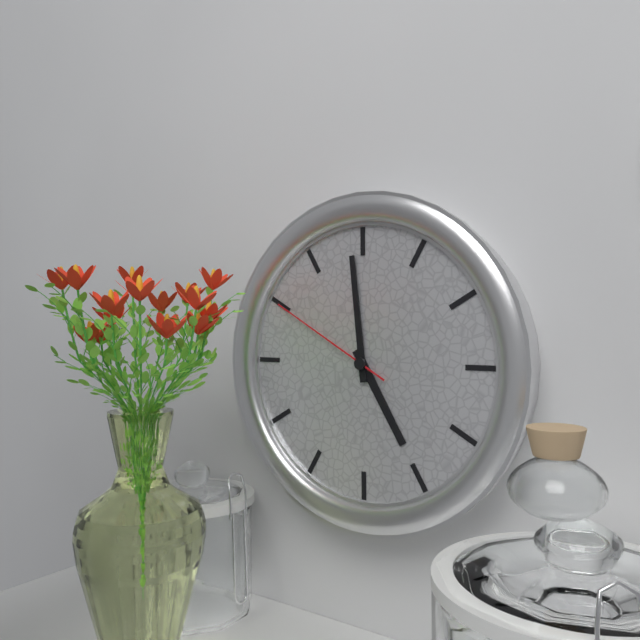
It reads 4 h 59 min 50 s
